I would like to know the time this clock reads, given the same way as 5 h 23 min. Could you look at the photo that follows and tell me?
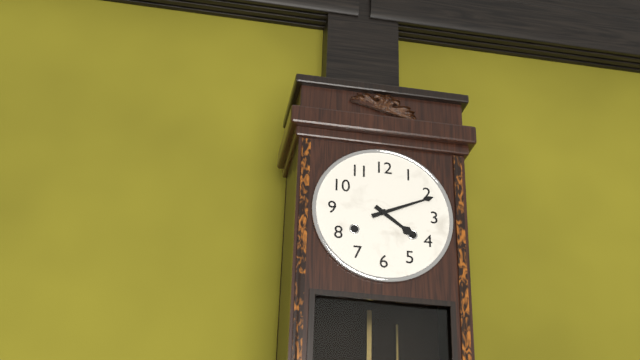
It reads 4 h 11 min
